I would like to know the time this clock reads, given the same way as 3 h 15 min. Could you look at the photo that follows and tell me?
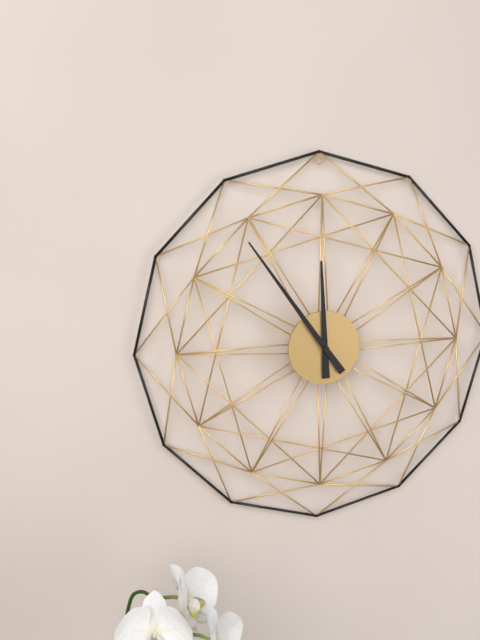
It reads 11 h 54 min
